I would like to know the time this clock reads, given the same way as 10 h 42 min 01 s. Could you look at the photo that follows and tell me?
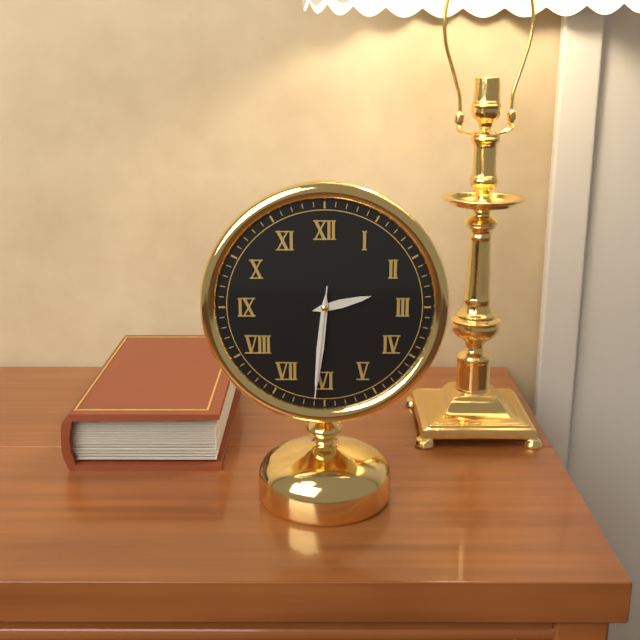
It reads 2 h 31 min 31 s
